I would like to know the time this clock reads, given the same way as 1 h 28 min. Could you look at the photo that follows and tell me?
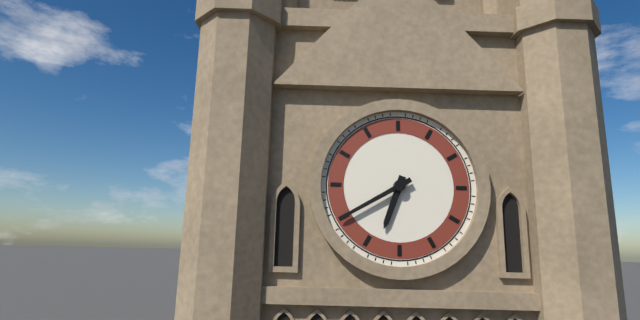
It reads 6 h 40 min
